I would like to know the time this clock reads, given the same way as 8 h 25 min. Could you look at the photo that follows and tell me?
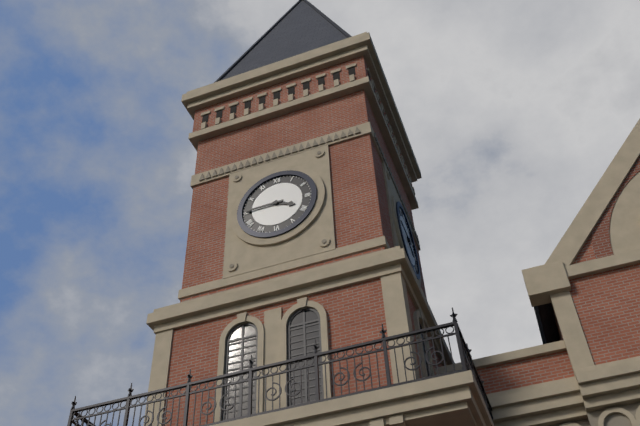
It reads 3 h 45 min
